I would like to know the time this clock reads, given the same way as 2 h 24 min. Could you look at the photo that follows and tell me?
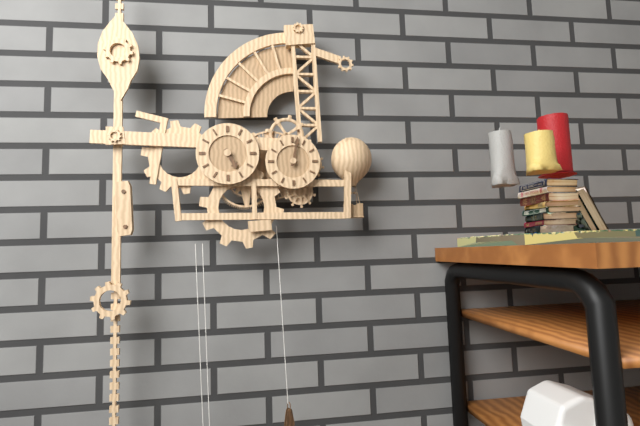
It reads 5 h 02 min
